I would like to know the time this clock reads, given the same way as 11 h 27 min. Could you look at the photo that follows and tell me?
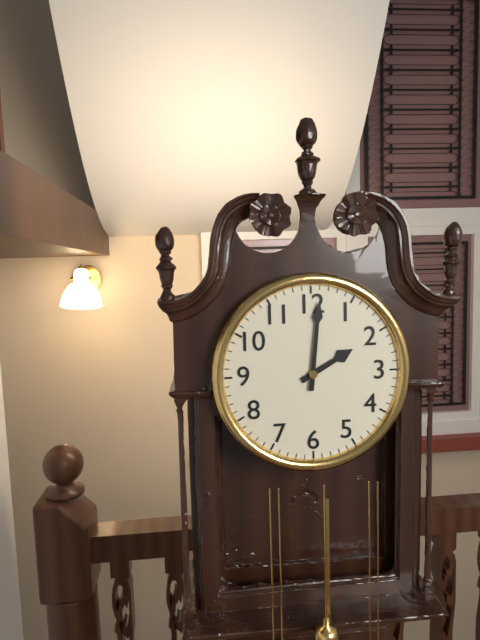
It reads 2 h 01 min
